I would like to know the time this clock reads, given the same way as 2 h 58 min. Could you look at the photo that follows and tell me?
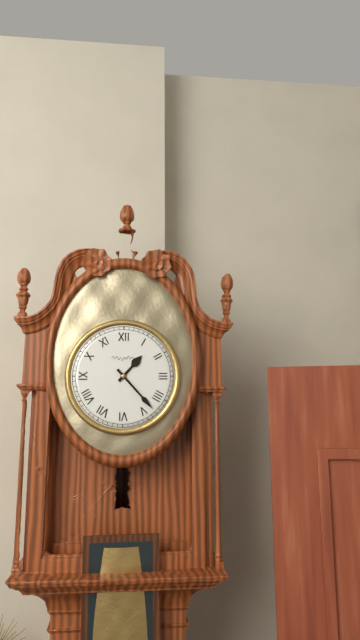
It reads 1 h 23 min
